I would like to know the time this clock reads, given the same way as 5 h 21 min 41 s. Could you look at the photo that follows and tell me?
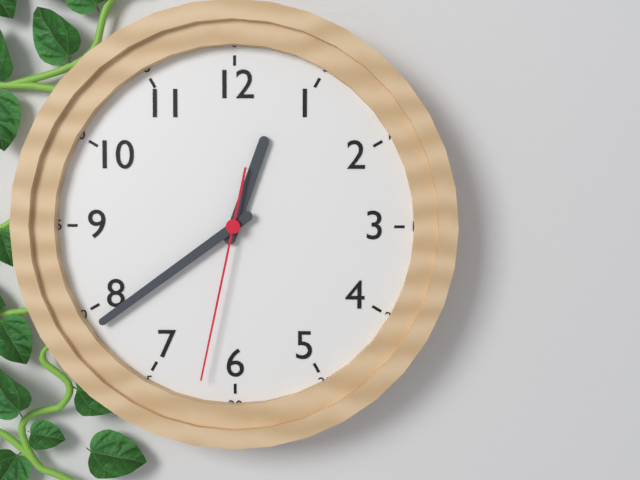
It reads 12 h 39 min 32 s
